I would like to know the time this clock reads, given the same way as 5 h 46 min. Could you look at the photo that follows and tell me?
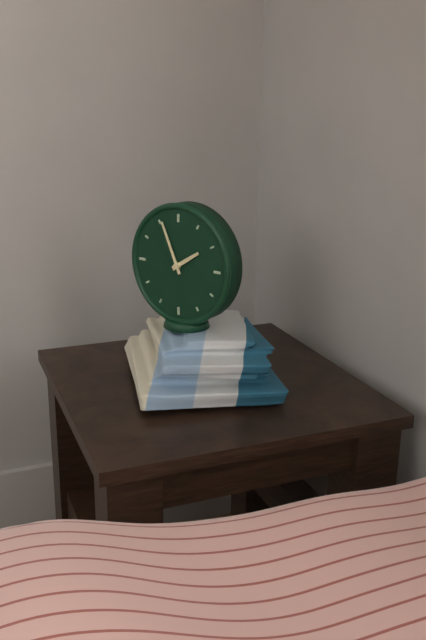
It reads 1 h 56 min
